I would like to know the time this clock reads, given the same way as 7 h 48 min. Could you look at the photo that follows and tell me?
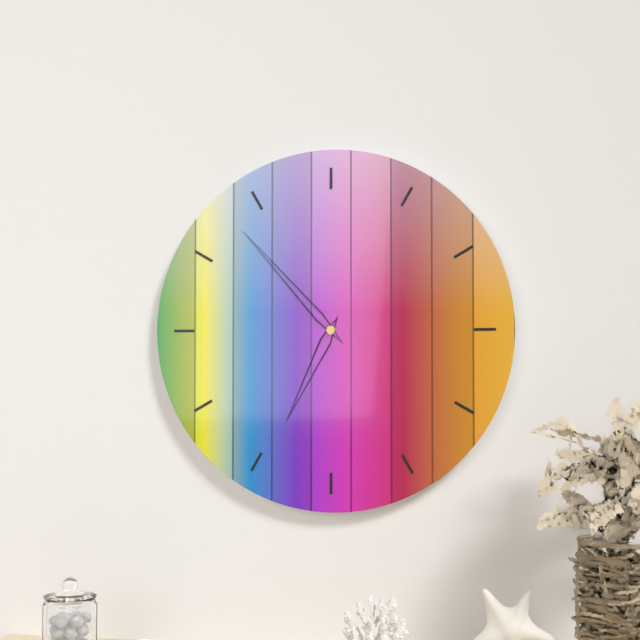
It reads 6 h 53 min
